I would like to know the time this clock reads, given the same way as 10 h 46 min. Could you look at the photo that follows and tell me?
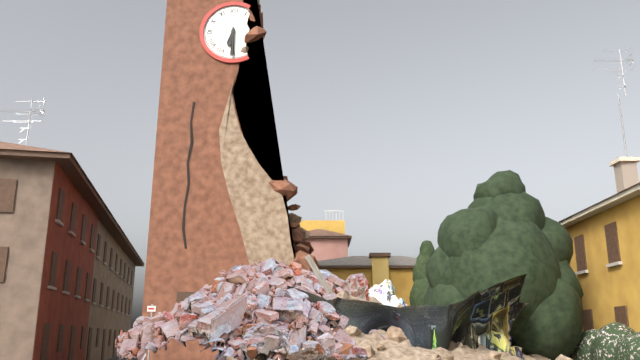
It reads 6 h 30 min
